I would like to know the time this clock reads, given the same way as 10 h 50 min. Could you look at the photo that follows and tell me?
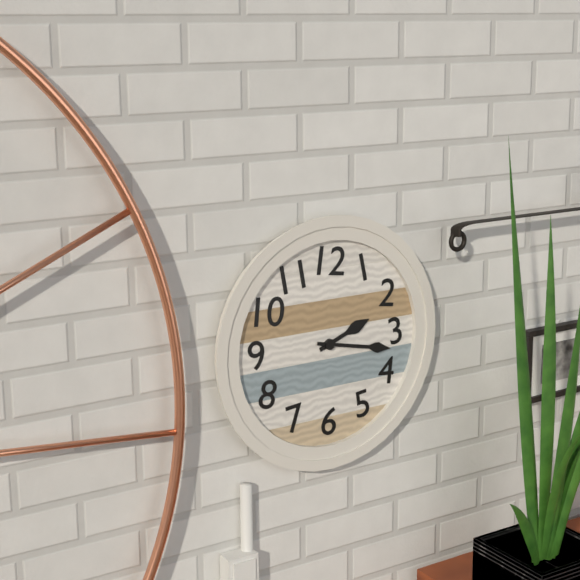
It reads 2 h 17 min
